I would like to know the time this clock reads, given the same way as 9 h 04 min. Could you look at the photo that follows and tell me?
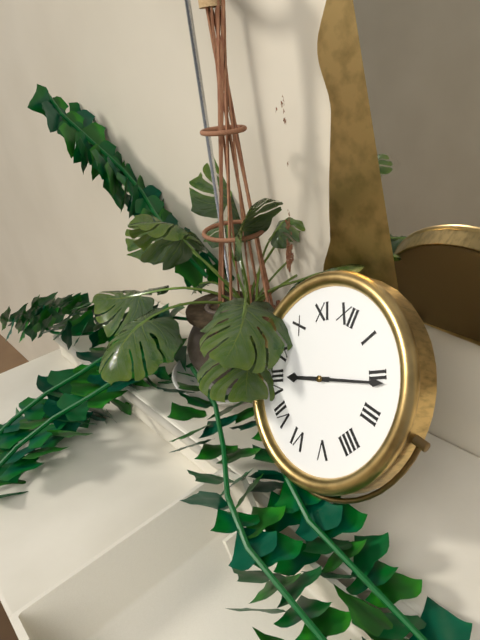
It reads 8 h 11 min
